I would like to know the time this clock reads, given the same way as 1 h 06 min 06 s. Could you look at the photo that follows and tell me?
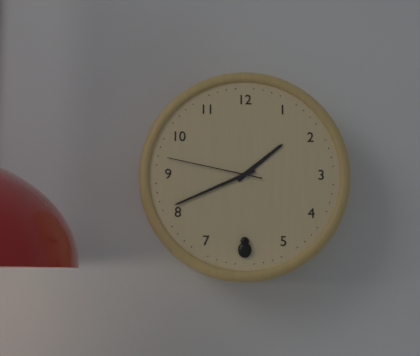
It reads 1 h 41 min 47 s
